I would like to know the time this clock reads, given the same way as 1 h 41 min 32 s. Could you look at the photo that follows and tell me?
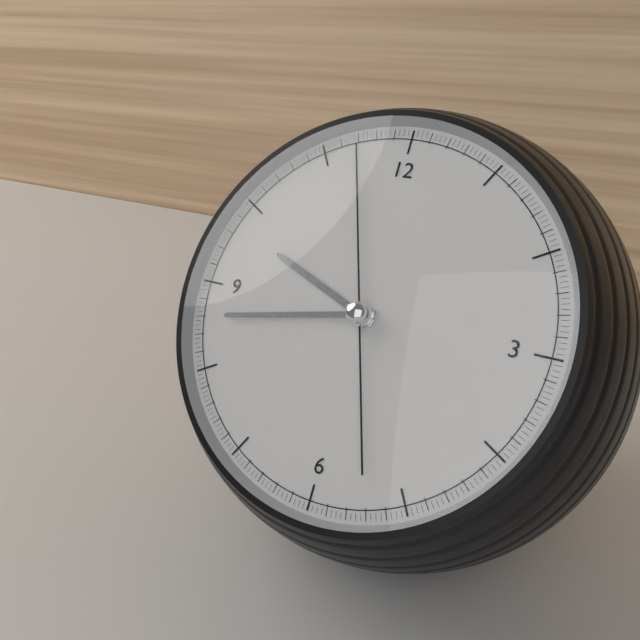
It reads 9 h 43 min 57 s
